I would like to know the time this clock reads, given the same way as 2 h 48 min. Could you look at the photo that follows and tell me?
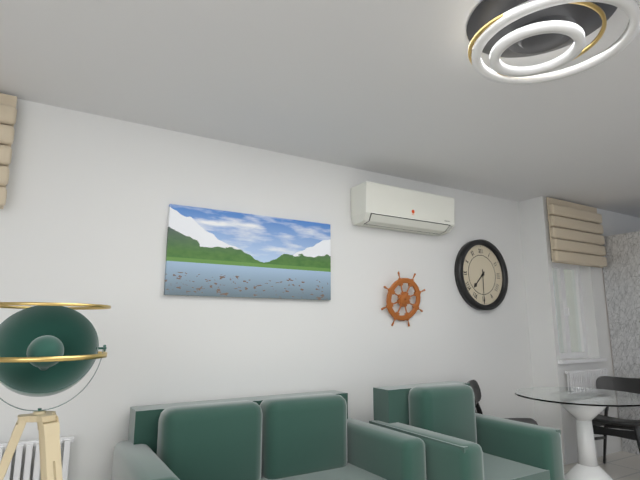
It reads 7 h 30 min
